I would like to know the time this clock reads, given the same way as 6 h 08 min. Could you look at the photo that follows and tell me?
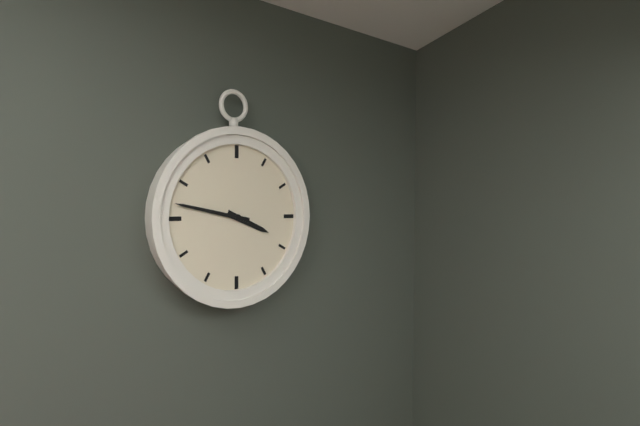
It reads 3 h 47 min
